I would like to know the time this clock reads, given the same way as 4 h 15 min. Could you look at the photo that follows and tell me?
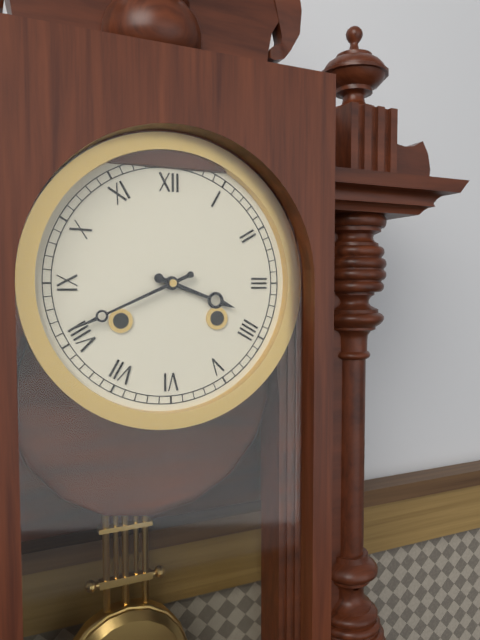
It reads 3 h 41 min
